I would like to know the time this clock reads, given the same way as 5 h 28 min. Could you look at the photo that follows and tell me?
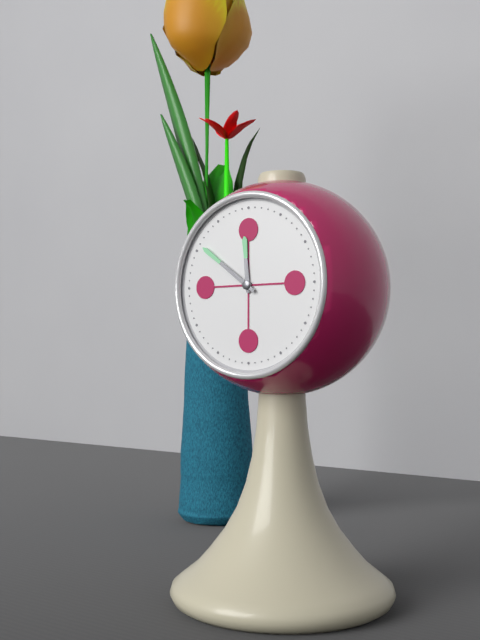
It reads 11 h 51 min
